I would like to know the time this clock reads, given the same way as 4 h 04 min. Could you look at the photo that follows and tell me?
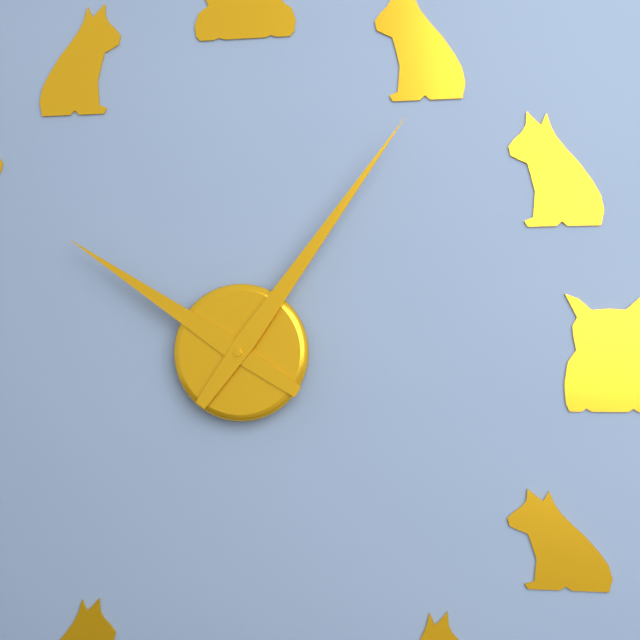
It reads 10 h 06 min
